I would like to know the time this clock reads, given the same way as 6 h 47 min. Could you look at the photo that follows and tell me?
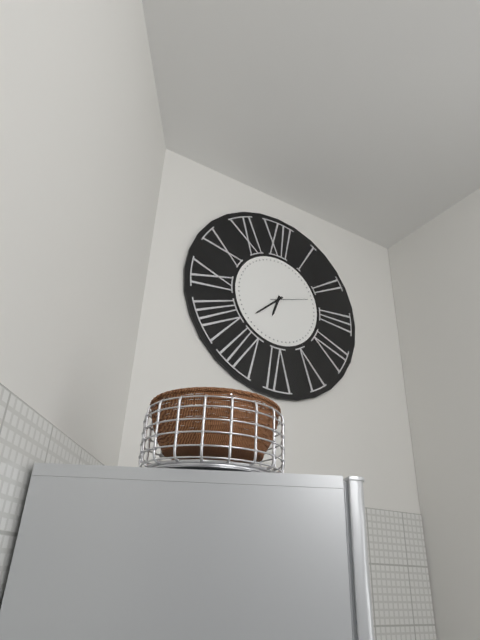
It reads 6 h 38 min
